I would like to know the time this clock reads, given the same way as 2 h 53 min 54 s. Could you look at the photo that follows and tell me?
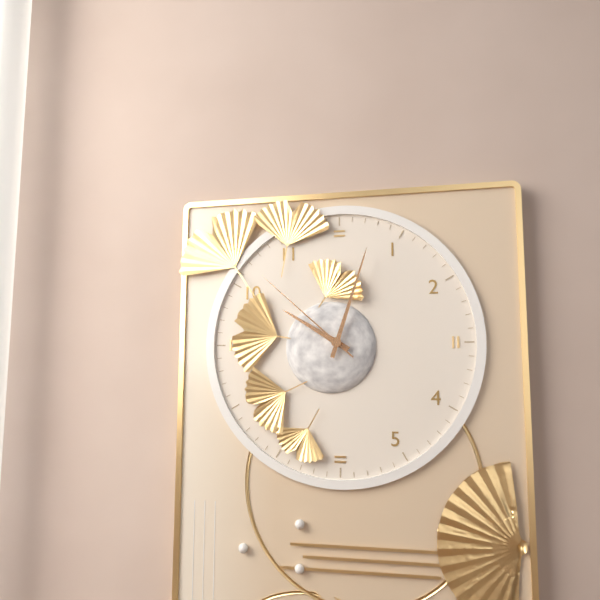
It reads 10 h 03 min 52 s
